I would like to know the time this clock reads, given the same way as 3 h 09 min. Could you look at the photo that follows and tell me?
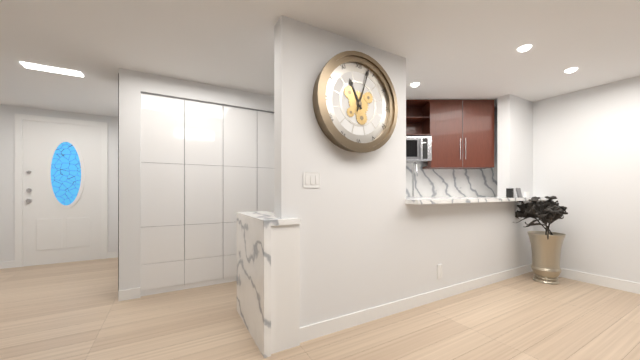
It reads 11 h 03 min
